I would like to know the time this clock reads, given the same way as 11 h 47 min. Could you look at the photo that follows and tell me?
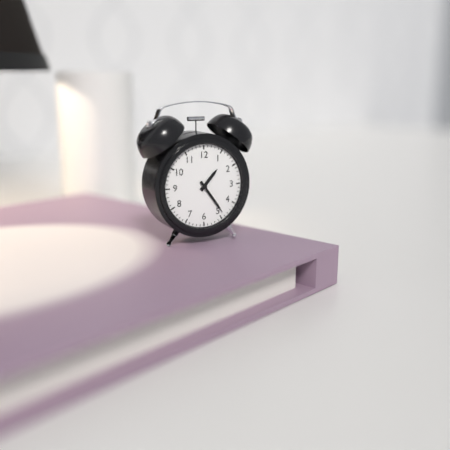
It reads 1 h 24 min
